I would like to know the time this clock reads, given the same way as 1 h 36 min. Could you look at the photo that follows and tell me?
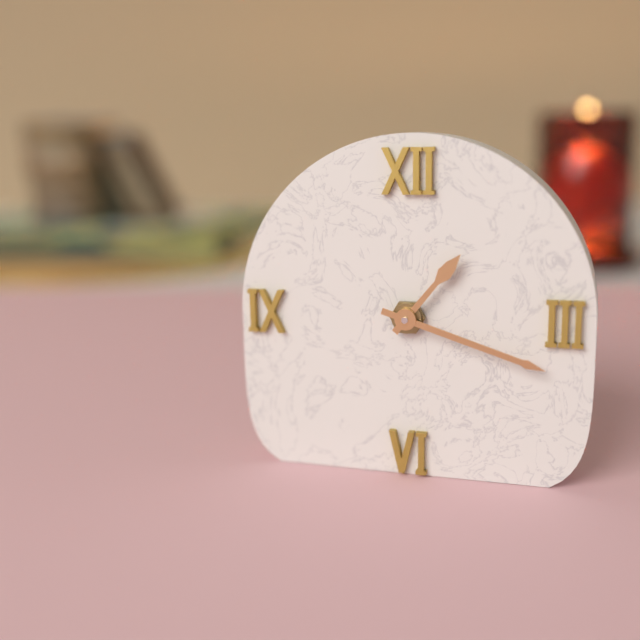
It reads 1 h 18 min
